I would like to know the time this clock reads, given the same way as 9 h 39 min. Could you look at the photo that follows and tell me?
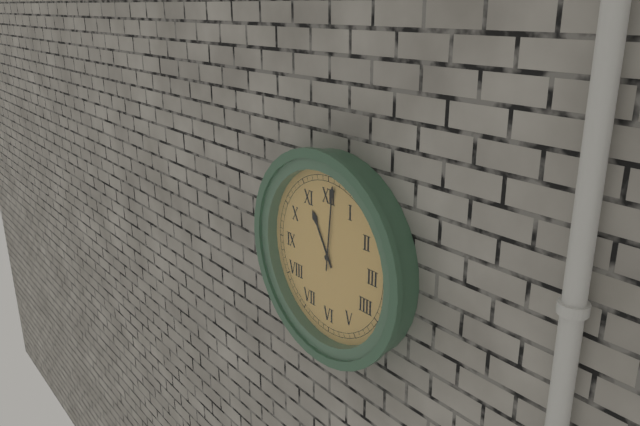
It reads 11 h 01 min
